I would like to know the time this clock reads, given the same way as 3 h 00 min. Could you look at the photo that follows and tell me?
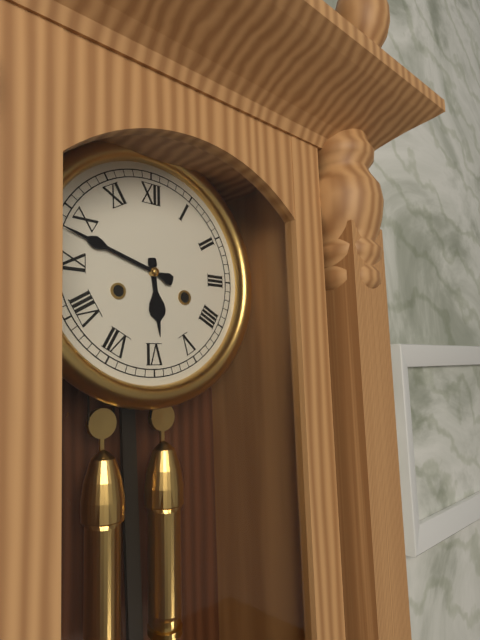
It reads 5 h 48 min
